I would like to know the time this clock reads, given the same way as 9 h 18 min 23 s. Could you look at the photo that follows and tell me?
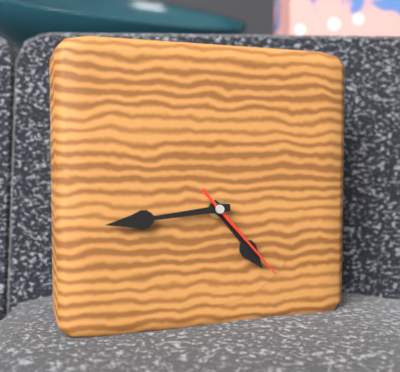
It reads 4 h 44 min 23 s
